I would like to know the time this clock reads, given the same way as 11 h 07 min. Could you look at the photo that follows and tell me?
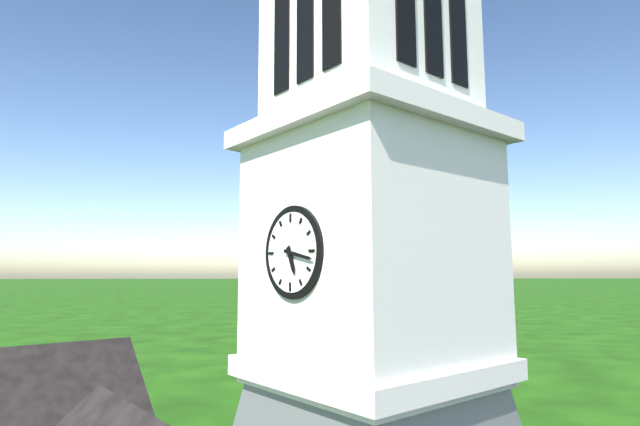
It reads 5 h 17 min
